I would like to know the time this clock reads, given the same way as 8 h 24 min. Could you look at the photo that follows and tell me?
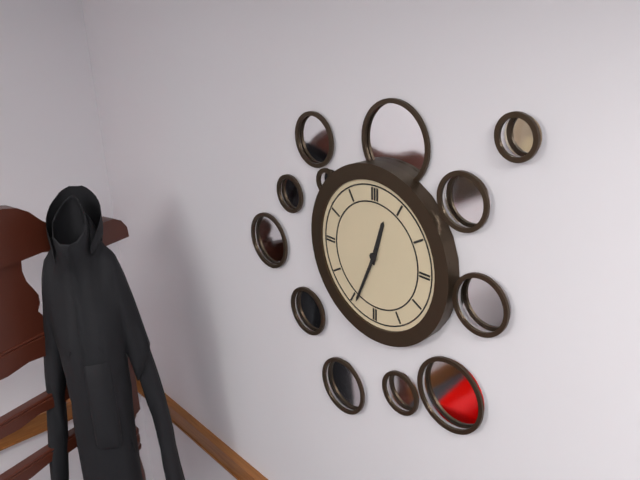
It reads 12 h 34 min
